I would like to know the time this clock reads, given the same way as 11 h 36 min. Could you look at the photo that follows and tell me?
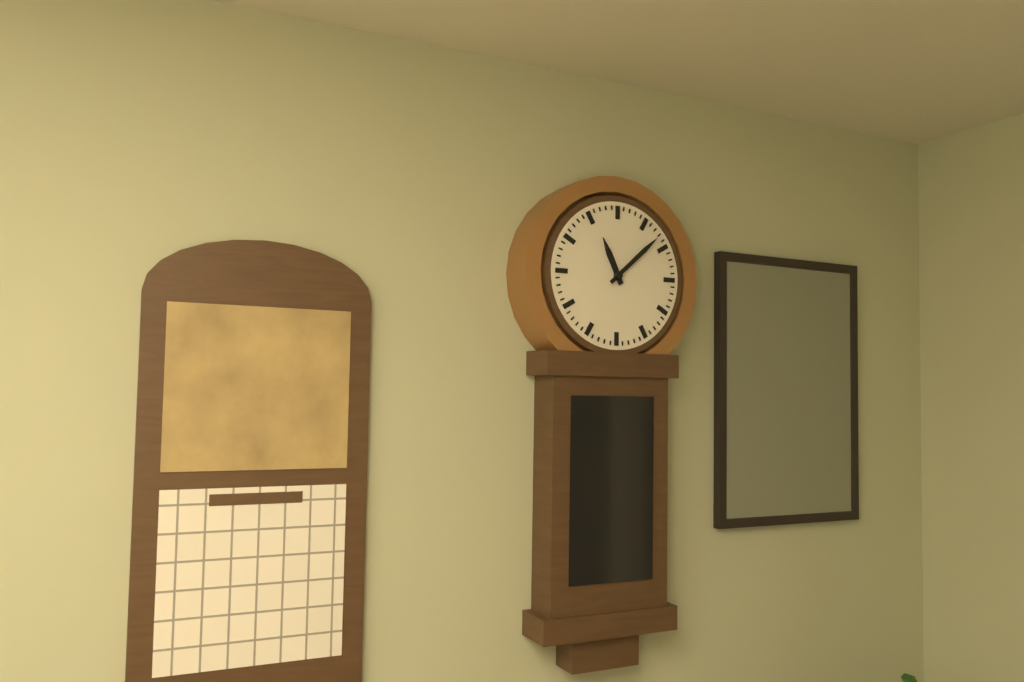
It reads 11 h 08 min
